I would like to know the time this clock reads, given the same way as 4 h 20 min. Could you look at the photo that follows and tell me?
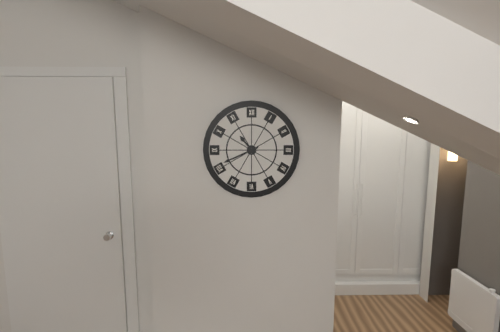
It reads 10 h 41 min
